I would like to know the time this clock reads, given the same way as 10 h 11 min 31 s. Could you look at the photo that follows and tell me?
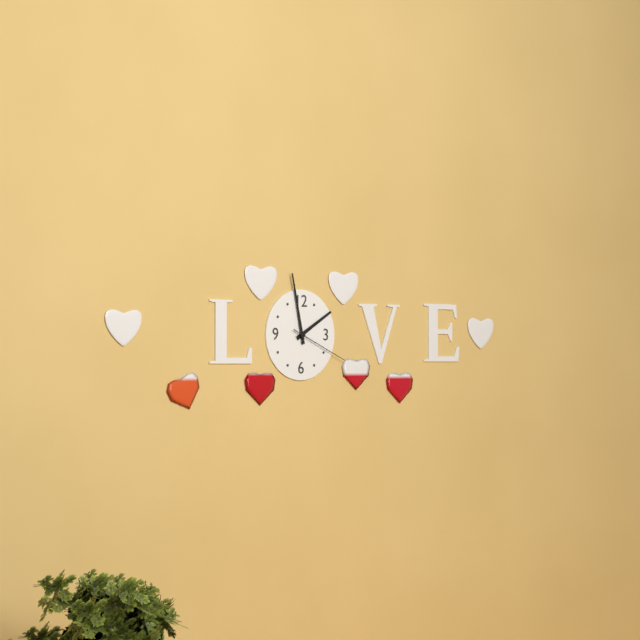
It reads 1 h 58 min 19 s
